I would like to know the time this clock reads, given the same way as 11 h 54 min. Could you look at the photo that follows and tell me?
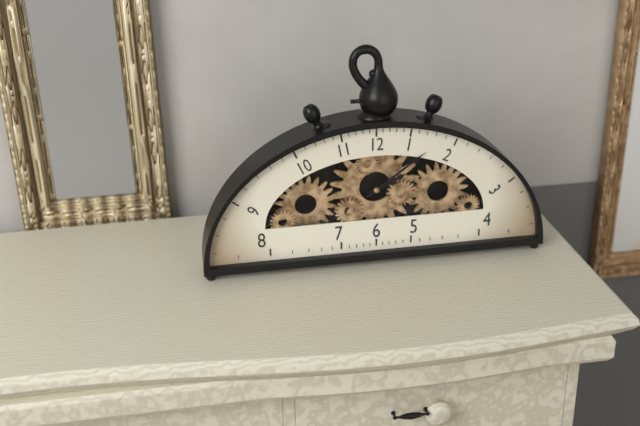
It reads 2 h 09 min
